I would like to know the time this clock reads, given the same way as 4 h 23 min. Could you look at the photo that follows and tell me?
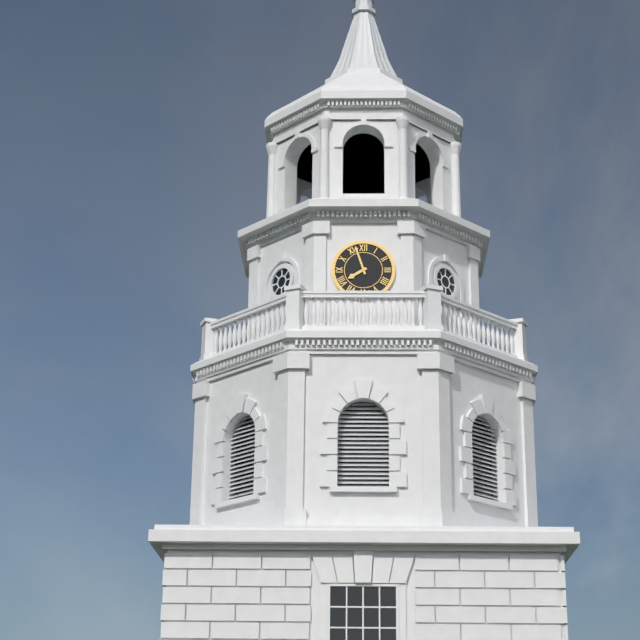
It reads 7 h 57 min
